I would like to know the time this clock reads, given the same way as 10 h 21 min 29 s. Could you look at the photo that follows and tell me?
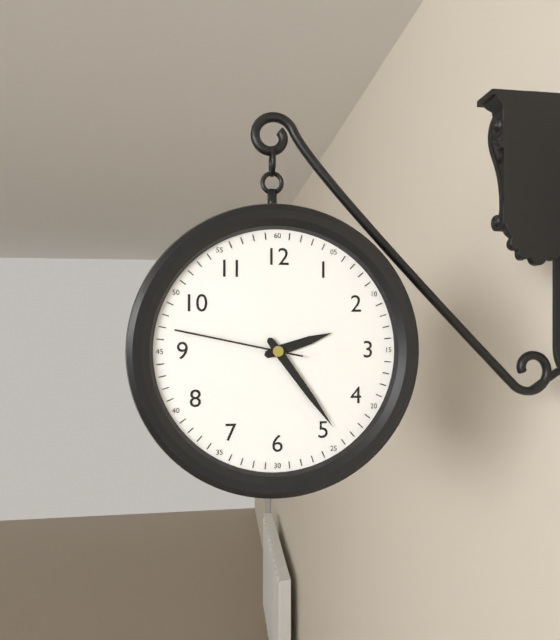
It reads 2 h 24 min 47 s
